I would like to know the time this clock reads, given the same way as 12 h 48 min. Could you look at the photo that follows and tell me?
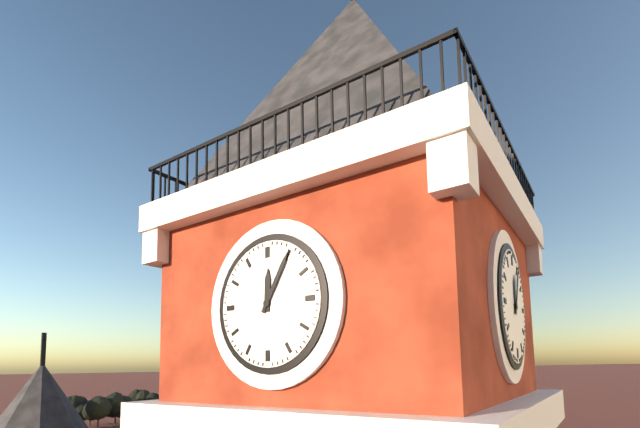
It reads 12 h 05 min
